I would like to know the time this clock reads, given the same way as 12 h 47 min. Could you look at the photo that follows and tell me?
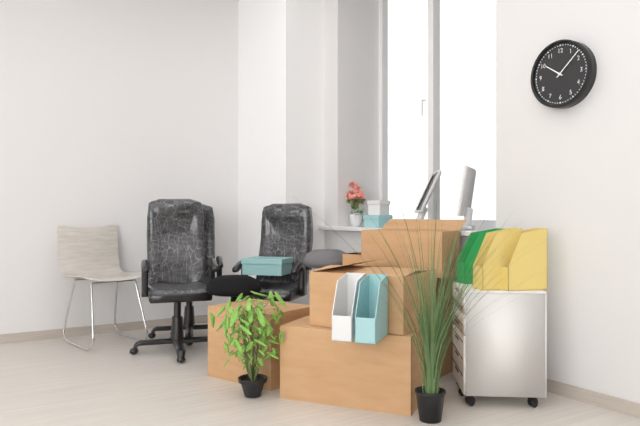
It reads 10 h 08 min
